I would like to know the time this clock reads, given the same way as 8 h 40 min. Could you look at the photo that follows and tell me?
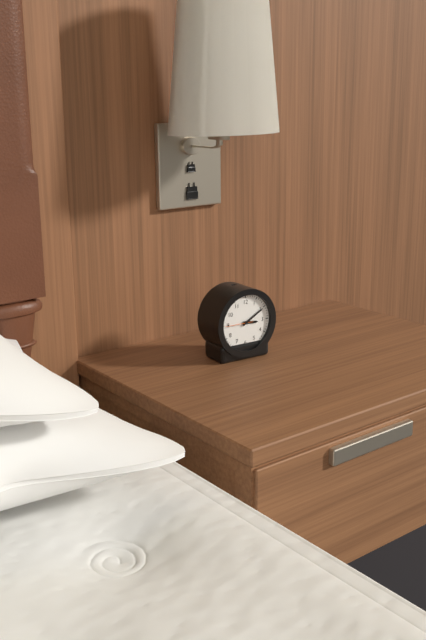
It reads 3 h 10 min
